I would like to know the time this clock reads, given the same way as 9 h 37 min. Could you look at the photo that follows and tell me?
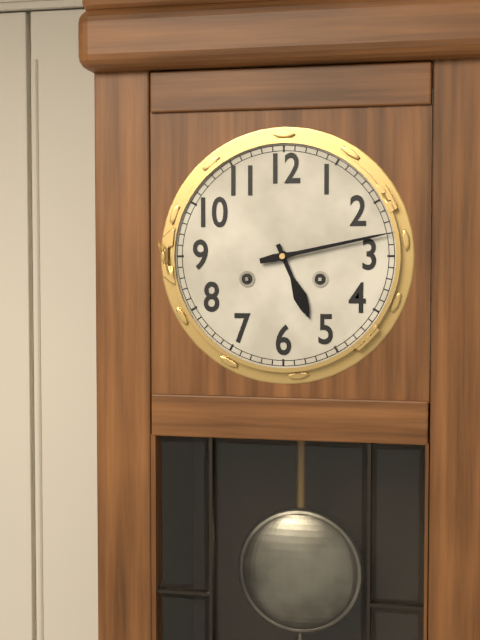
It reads 5 h 13 min
